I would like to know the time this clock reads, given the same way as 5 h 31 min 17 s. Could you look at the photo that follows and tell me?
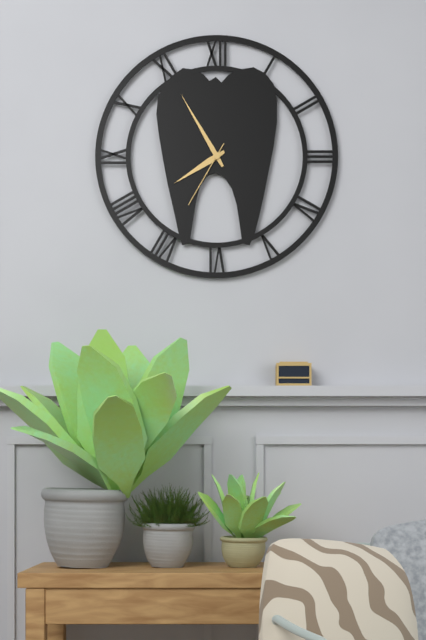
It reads 7 h 55 min 35 s
